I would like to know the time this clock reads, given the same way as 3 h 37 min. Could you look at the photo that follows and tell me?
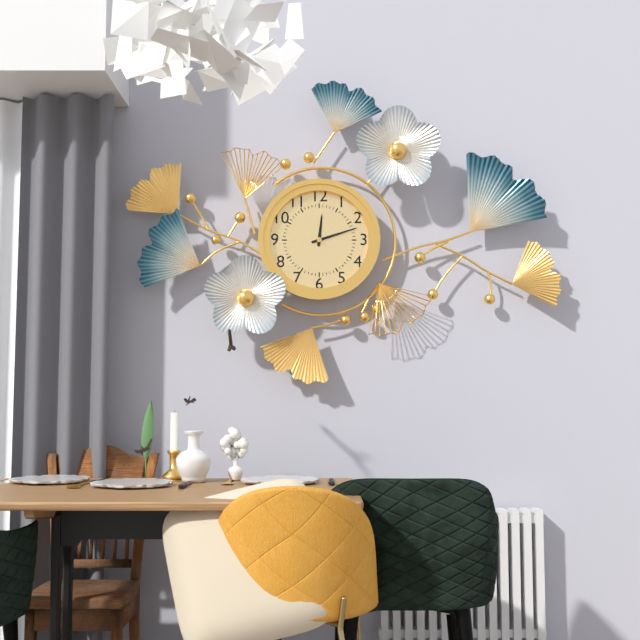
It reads 12 h 12 min
